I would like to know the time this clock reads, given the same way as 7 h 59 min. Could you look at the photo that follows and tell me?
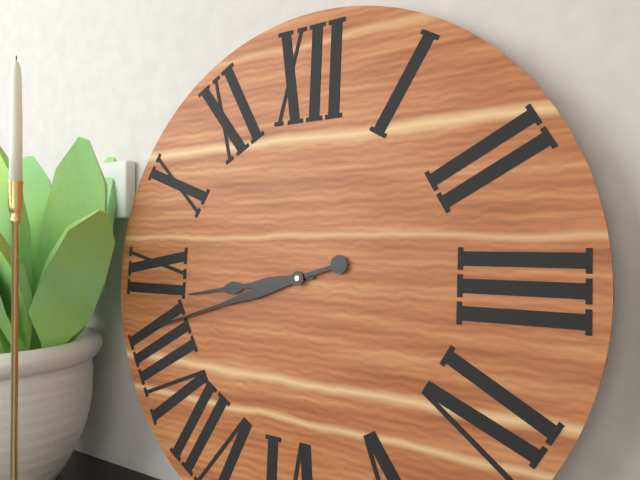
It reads 8 h 42 min
